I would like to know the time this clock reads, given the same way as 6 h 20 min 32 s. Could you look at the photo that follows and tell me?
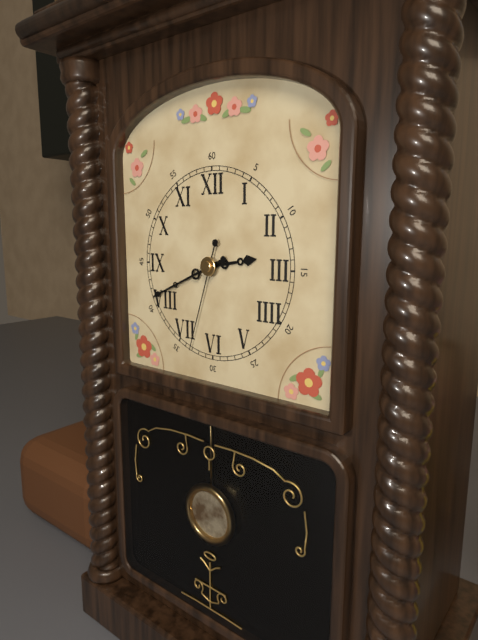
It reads 2 h 41 min 33 s
